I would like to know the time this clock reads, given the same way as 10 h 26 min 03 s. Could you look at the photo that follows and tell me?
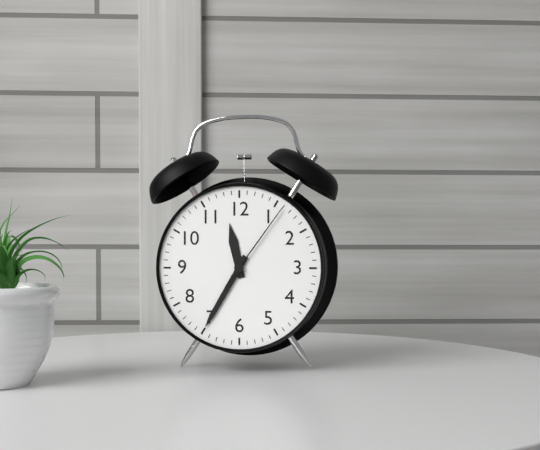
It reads 11 h 35 min 06 s
